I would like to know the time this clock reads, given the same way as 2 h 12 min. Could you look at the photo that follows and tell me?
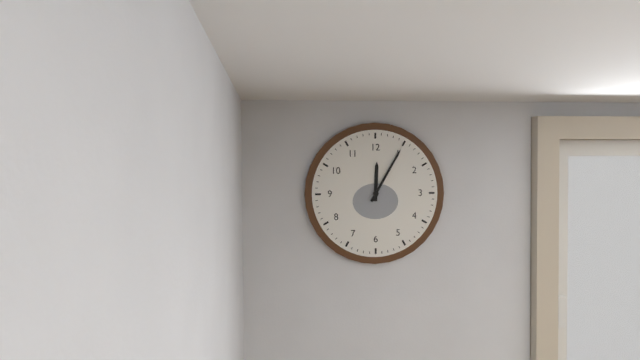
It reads 12 h 05 min
